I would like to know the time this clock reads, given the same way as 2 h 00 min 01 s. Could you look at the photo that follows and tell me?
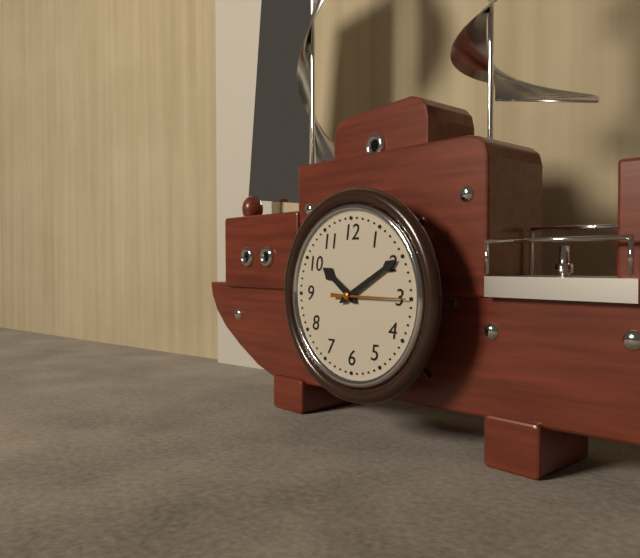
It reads 10 h 10 min 15 s
